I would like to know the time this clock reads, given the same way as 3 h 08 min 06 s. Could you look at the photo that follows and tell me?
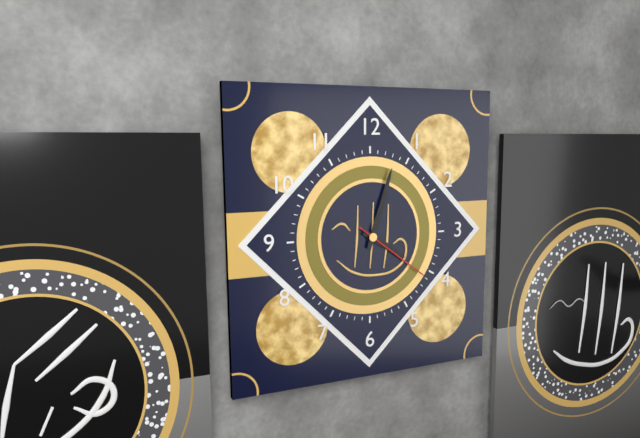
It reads 4 h 03 min 21 s
